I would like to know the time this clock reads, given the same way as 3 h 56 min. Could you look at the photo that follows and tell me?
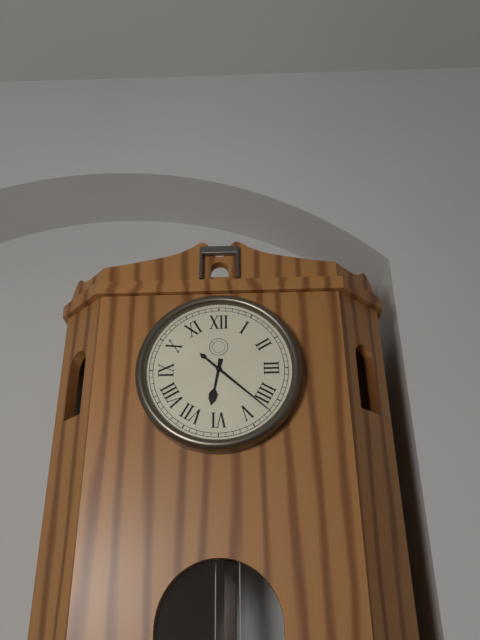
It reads 6 h 22 min
